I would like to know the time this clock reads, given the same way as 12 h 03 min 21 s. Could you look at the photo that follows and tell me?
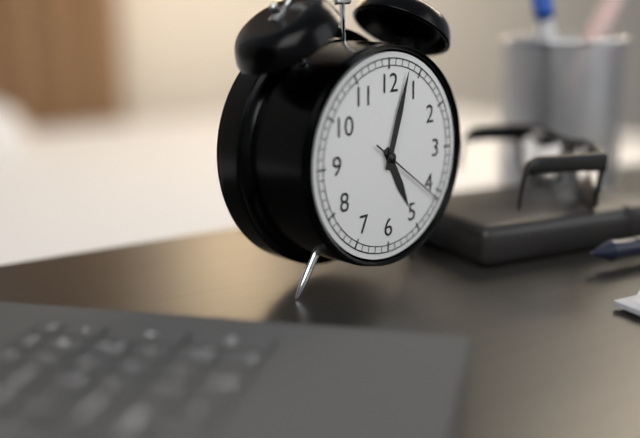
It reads 5 h 03 min 21 s
